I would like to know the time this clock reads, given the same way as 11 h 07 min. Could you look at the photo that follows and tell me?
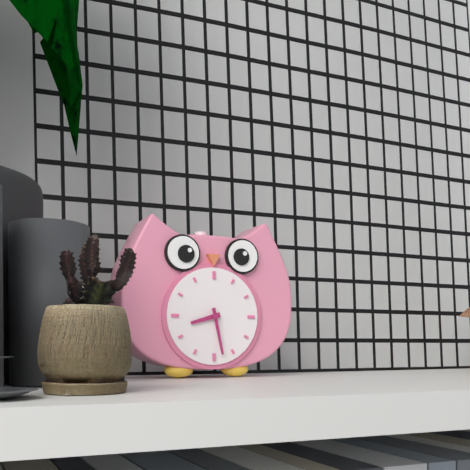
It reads 8 h 28 min
